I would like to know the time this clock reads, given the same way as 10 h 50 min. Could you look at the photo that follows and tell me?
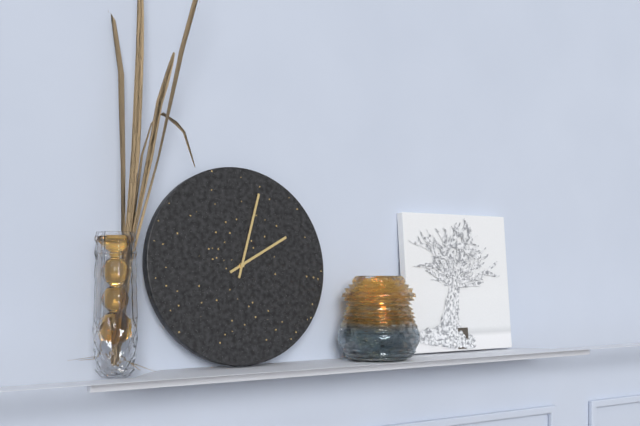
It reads 2 h 03 min
